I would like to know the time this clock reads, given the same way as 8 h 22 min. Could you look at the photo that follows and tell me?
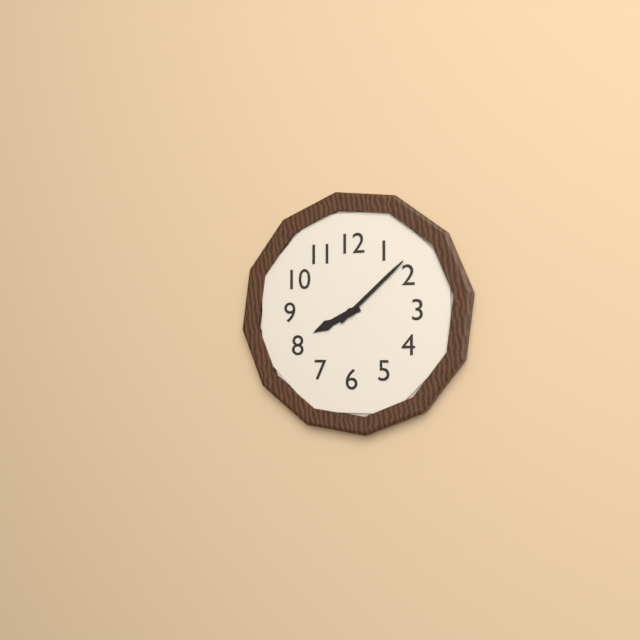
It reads 8 h 08 min
